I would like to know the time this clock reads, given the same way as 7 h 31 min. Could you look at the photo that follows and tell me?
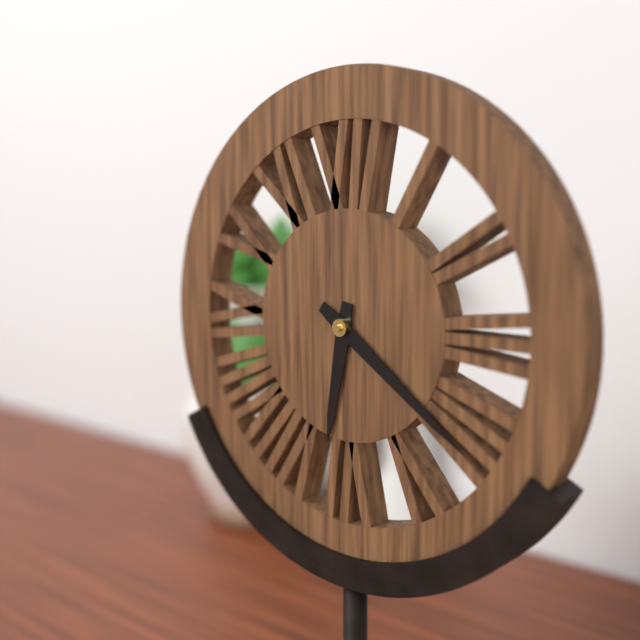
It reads 6 h 21 min
